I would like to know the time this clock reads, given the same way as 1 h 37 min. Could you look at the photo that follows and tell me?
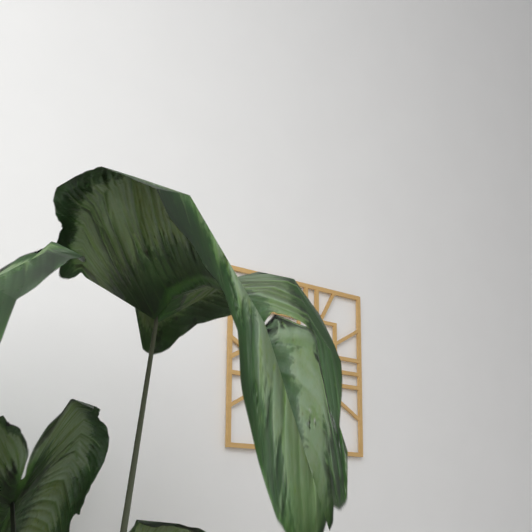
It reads 11 h 36 min
